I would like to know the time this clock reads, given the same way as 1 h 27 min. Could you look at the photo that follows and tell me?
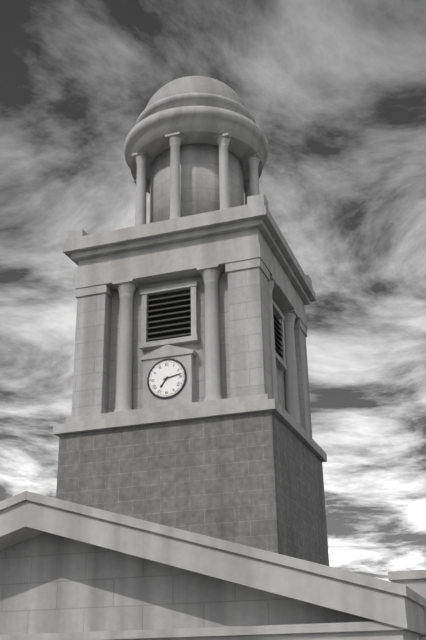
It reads 7 h 13 min
